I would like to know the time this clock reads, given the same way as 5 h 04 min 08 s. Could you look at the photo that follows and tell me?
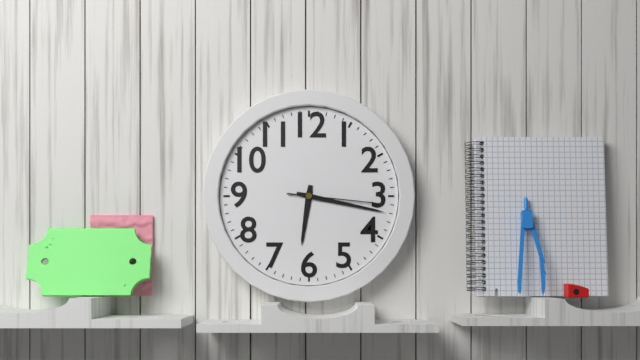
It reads 6 h 17 min 16 s
